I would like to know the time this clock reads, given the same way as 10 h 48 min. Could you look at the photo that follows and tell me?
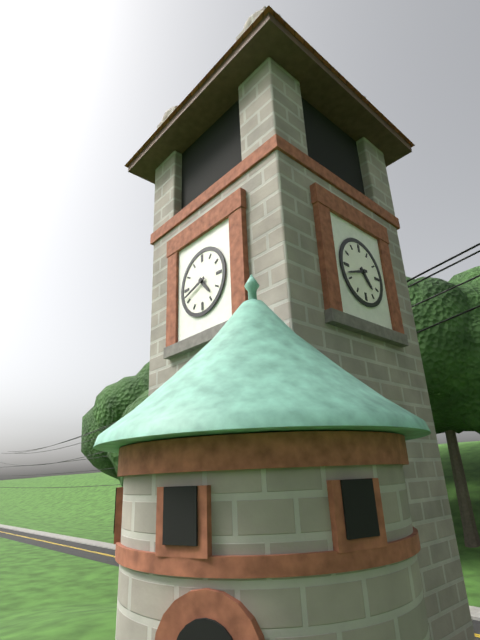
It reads 4 h 42 min
